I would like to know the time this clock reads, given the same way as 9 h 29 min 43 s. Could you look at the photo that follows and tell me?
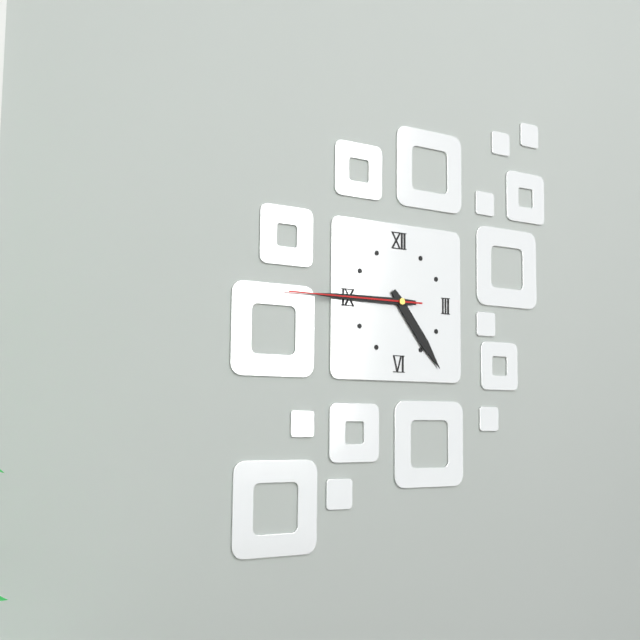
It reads 4 h 45 min 45 s
